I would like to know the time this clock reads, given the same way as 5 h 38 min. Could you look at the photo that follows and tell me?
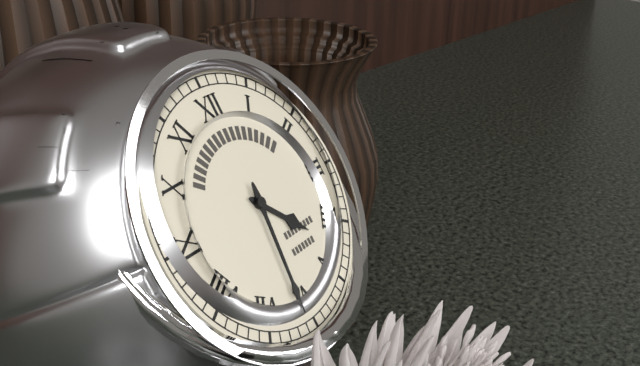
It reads 4 h 31 min
